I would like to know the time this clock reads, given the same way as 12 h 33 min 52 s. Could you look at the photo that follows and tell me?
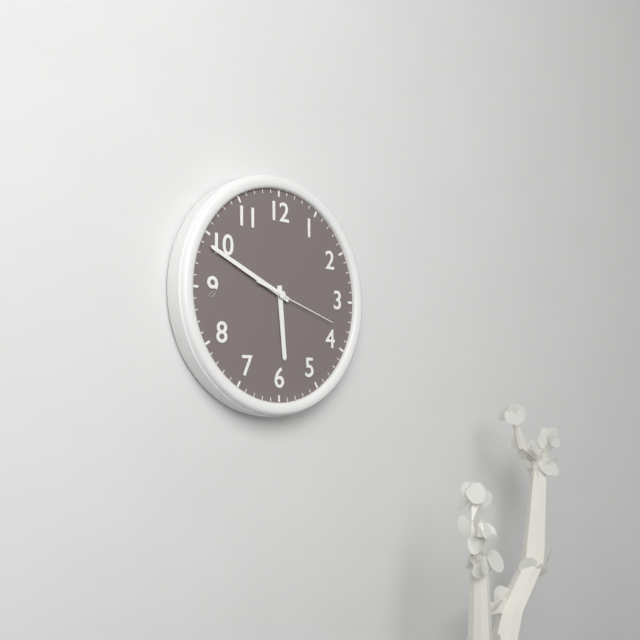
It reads 5 h 49 min 18 s
